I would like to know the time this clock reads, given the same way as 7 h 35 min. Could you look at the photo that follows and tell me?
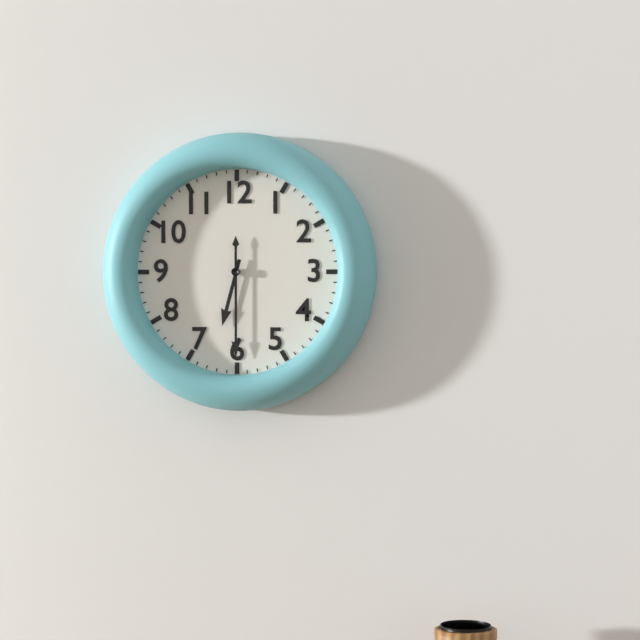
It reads 6 h 30 min
